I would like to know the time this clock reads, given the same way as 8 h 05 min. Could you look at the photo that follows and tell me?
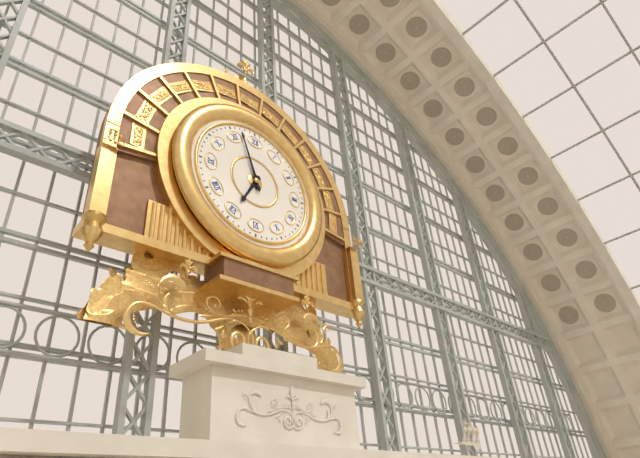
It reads 6 h 57 min
